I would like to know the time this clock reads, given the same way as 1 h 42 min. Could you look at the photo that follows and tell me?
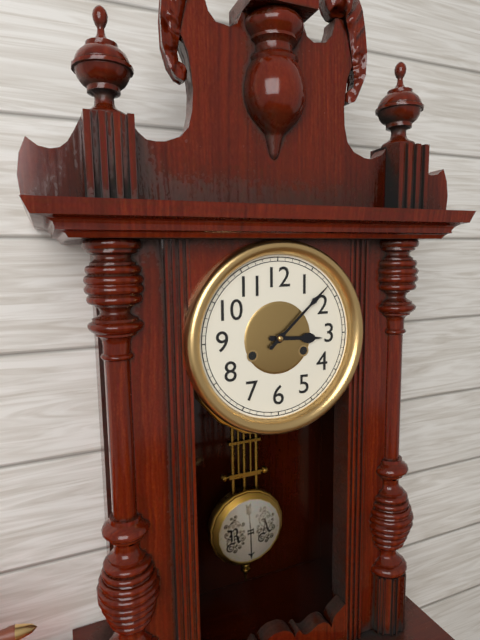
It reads 3 h 08 min
